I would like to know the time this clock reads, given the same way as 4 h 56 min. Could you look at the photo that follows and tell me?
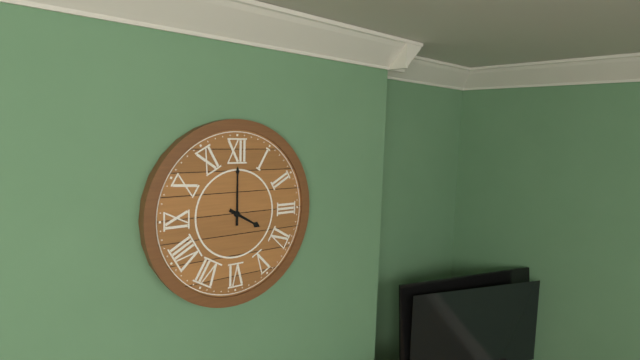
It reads 4 h 00 min
